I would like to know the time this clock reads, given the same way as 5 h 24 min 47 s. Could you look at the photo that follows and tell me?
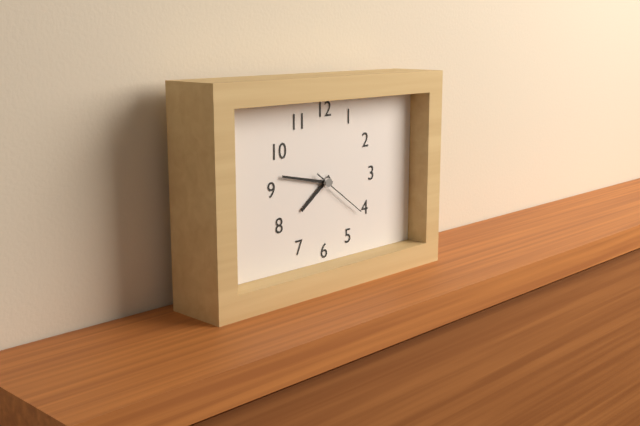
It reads 7 h 47 min 21 s
